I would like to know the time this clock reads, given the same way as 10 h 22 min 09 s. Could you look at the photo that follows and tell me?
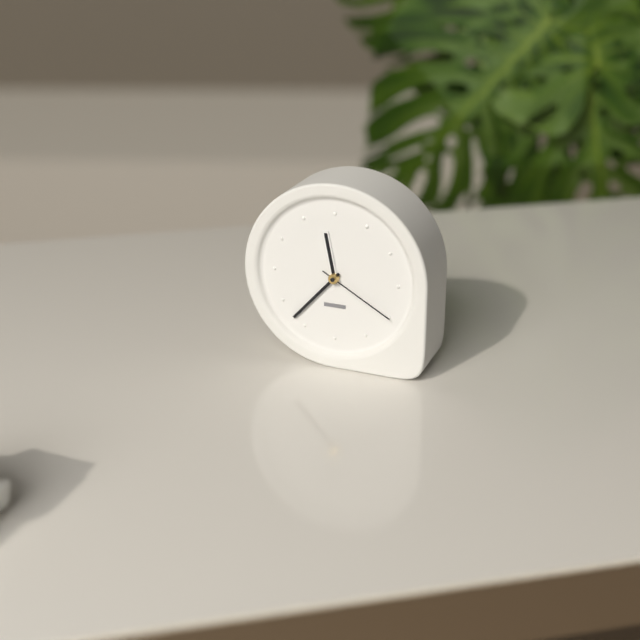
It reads 11 h 37 min 20 s
